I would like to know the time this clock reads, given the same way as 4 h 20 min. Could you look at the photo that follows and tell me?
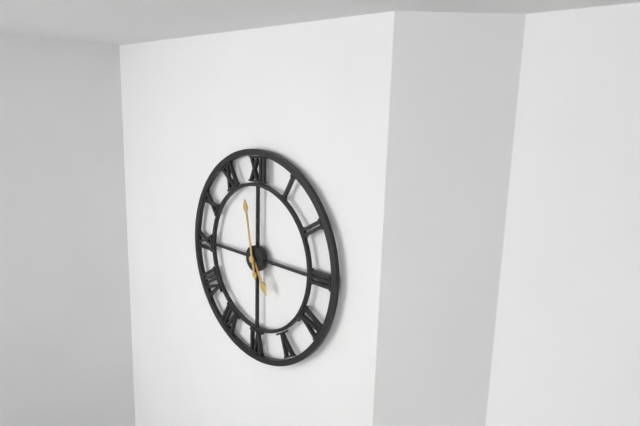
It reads 4 h 58 min
